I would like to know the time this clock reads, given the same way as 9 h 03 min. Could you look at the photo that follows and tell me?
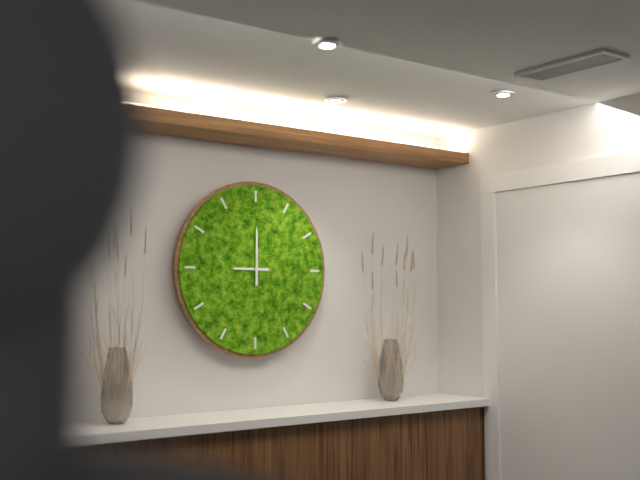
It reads 9 h 00 min
